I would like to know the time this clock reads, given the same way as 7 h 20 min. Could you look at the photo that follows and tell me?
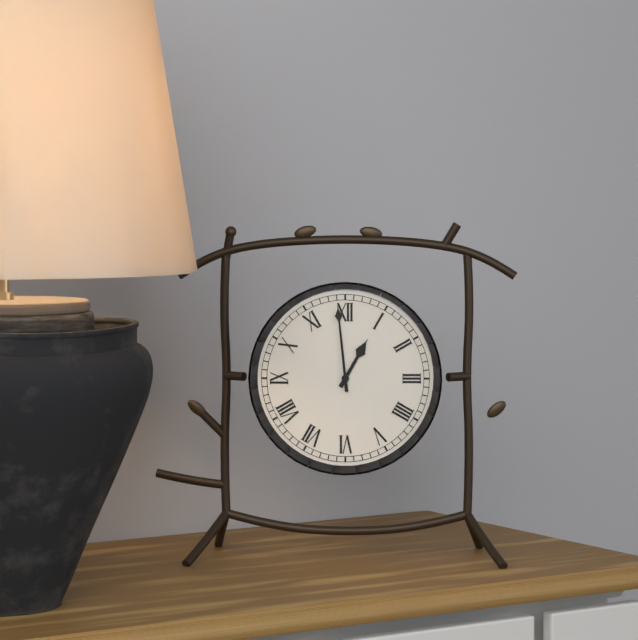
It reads 12 h 59 min
